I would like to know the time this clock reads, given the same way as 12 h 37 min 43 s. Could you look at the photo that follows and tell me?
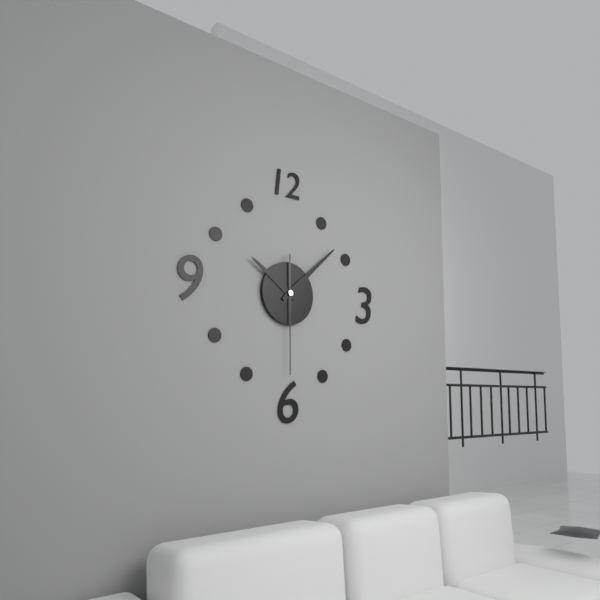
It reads 10 h 08 min 30 s
